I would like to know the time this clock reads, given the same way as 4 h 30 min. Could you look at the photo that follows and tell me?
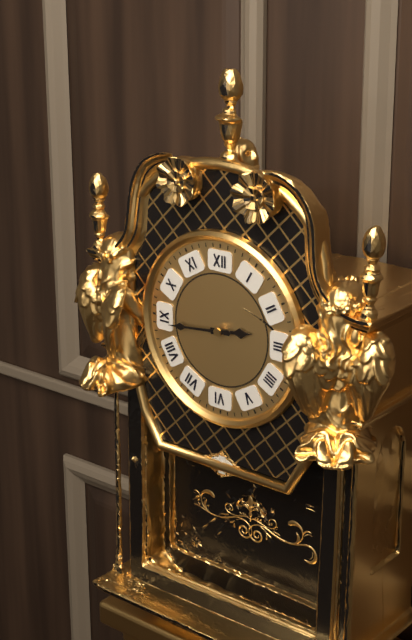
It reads 2 h 44 min
